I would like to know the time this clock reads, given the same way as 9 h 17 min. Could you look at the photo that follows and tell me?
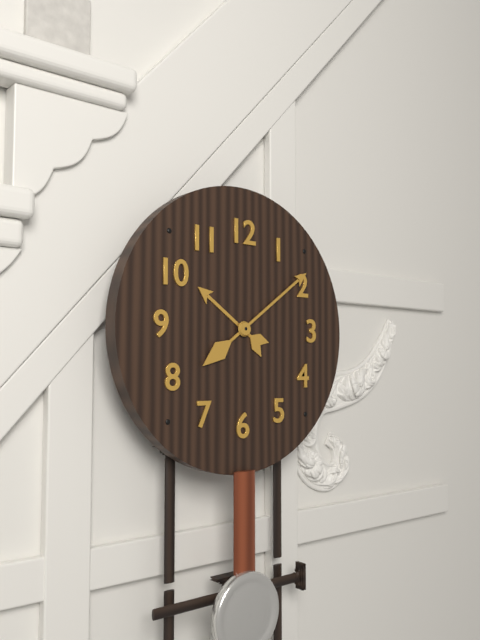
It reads 10 h 09 min
